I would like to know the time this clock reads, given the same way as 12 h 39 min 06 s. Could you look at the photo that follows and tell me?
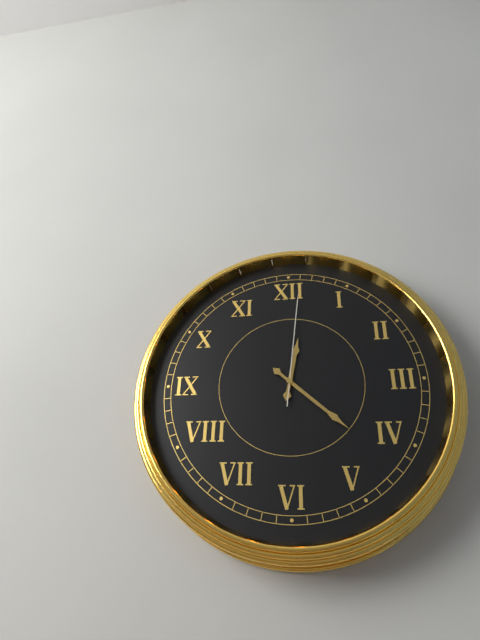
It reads 12 h 22 min 01 s
